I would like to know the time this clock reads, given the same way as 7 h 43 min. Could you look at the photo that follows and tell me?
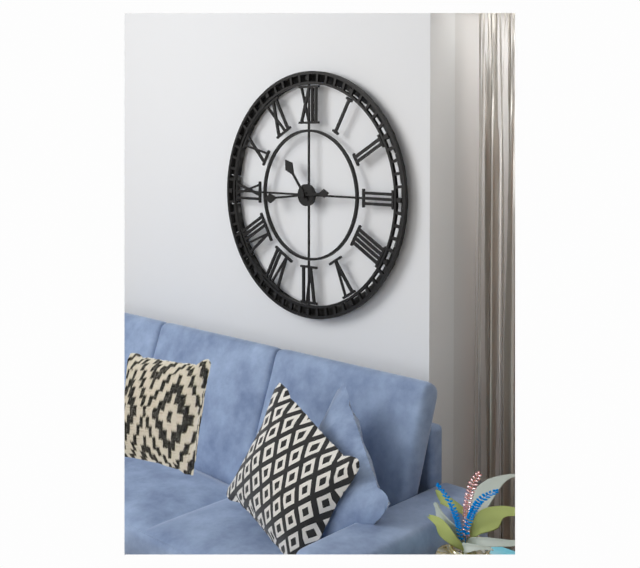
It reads 10 h 44 min
